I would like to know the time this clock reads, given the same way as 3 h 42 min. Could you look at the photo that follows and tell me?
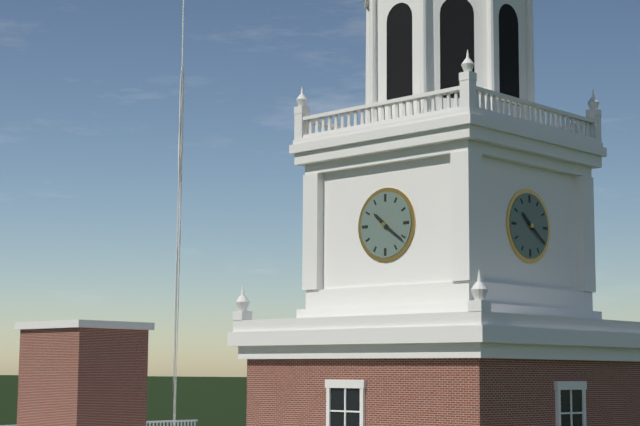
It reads 10 h 21 min
